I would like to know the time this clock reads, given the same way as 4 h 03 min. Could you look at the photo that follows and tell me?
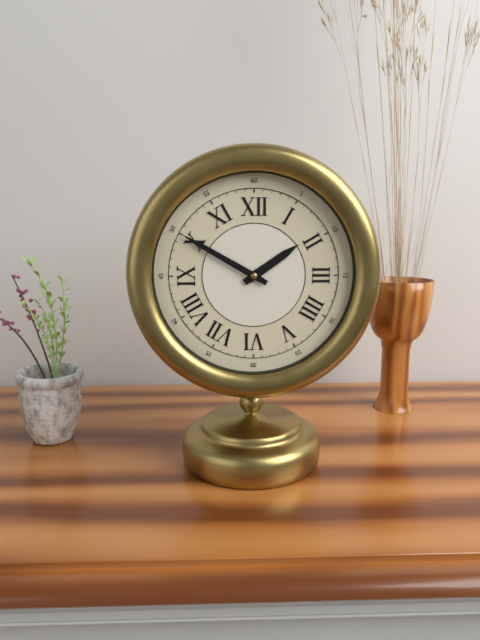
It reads 1 h 50 min
